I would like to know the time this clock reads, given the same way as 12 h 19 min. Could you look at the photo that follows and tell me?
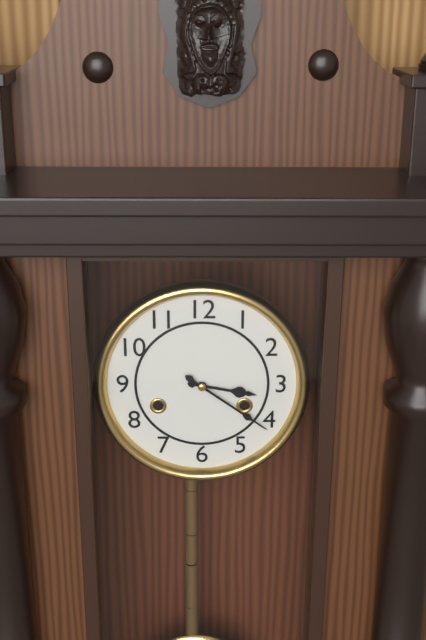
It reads 3 h 21 min
